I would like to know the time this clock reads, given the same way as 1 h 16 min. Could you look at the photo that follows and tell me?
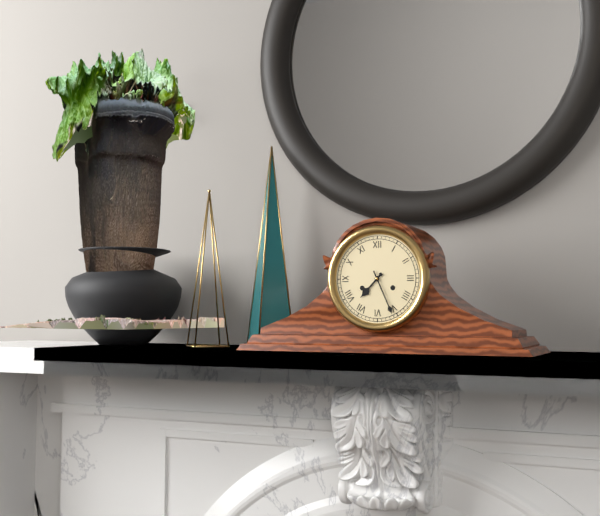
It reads 7 h 26 min
